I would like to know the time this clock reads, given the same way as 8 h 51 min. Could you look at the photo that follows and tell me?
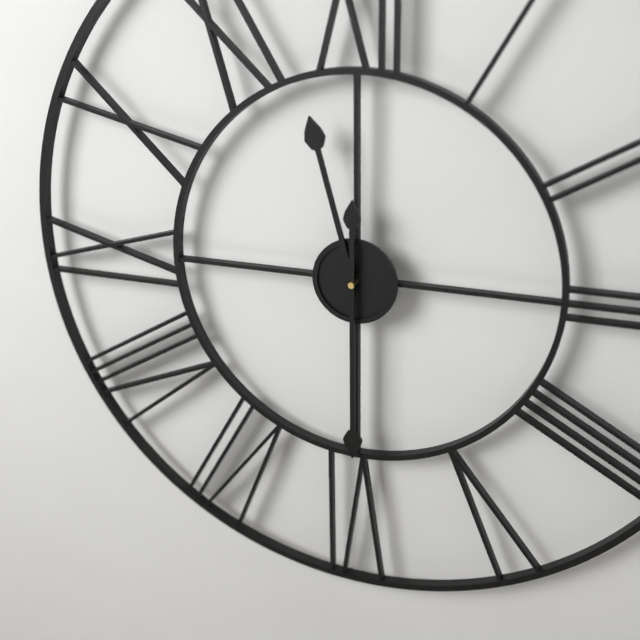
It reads 11 h 30 min
